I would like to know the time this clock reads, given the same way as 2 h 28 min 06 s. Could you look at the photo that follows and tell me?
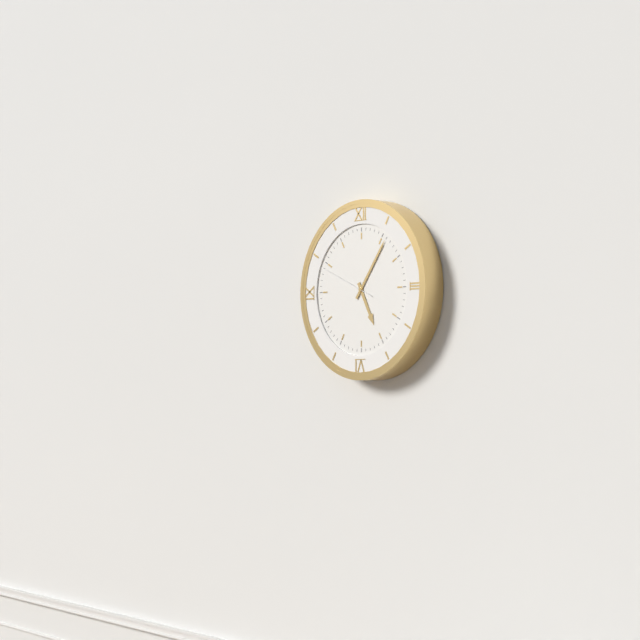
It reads 5 h 06 min 49 s
